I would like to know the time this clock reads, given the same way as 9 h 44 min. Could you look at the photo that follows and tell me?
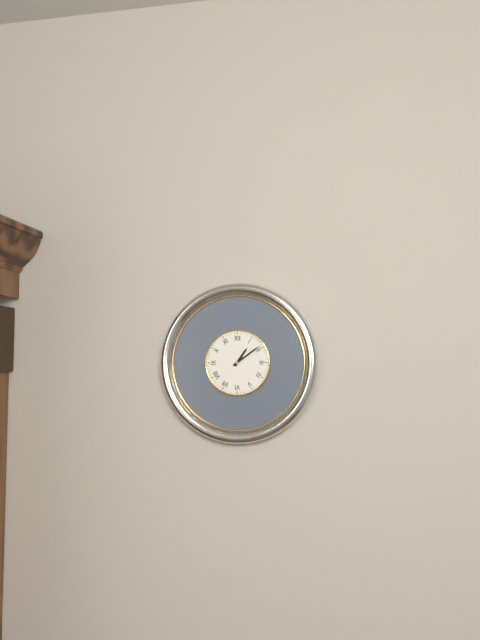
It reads 1 h 09 min
